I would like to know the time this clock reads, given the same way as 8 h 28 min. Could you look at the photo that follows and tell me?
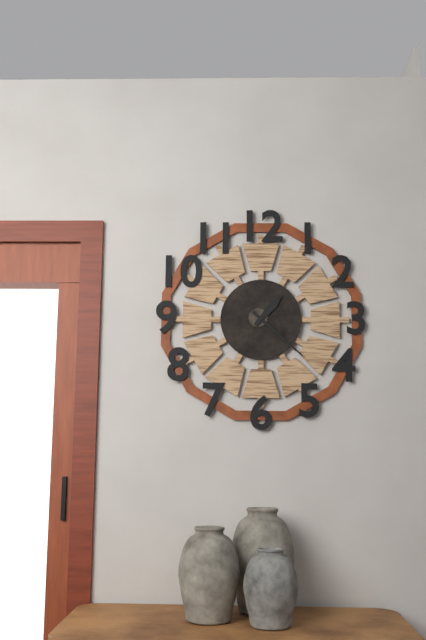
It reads 1 h 22 min
